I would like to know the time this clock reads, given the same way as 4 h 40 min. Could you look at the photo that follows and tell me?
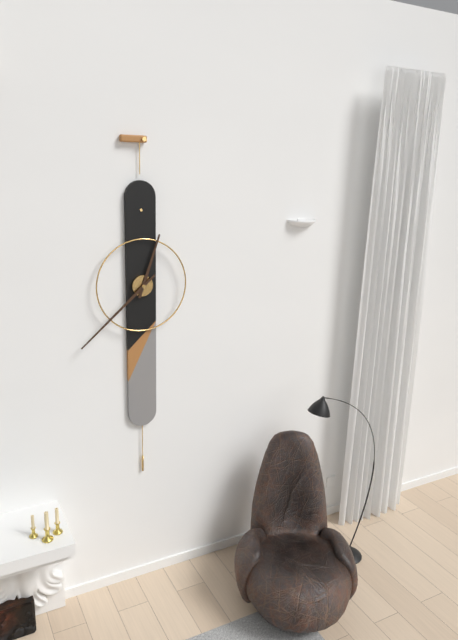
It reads 12 h 38 min
